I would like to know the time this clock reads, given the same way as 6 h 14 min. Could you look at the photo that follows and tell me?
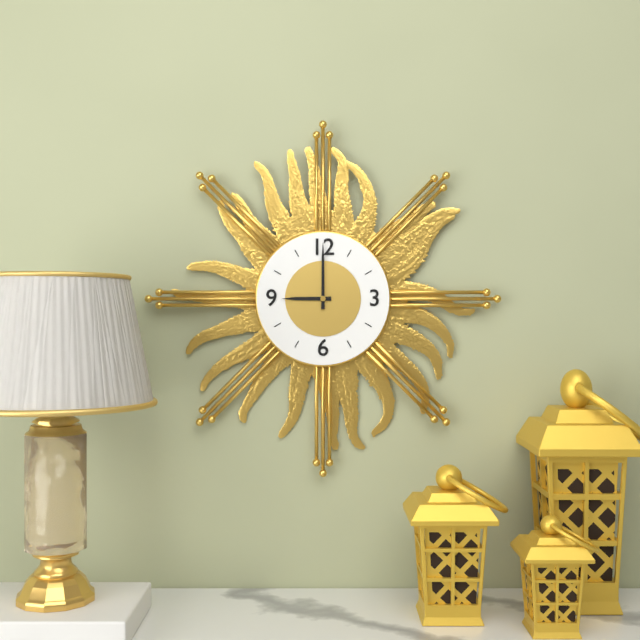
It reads 9 h 00 min
